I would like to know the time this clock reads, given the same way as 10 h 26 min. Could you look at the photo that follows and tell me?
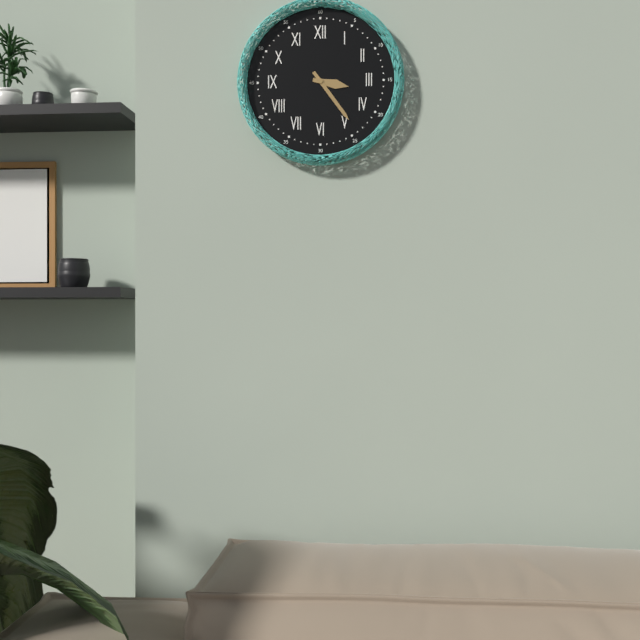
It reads 3 h 24 min
